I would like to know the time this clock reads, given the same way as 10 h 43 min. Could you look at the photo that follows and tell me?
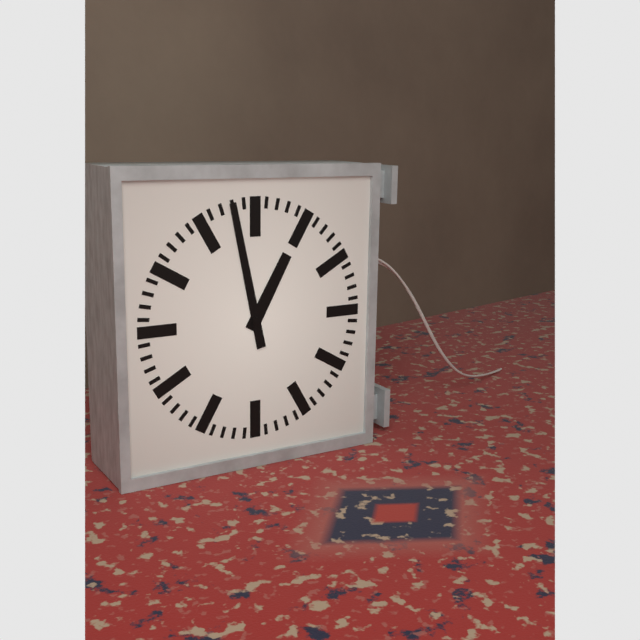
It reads 12 h 58 min
